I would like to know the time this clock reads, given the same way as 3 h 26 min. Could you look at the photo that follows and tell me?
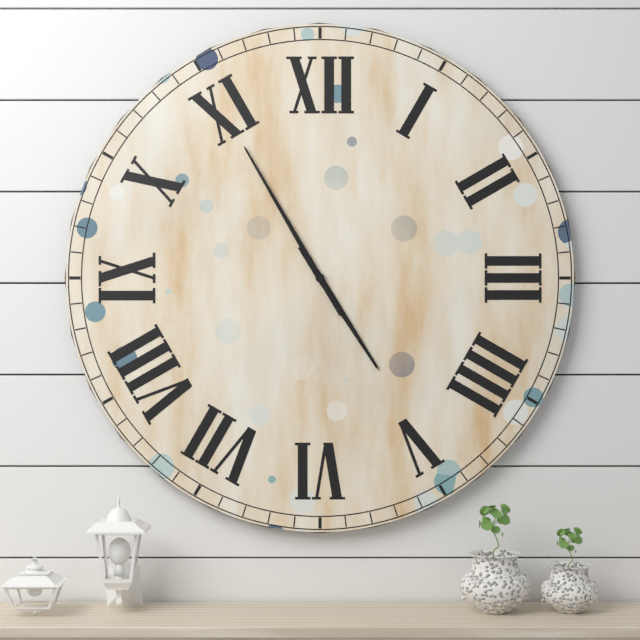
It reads 4 h 55 min
